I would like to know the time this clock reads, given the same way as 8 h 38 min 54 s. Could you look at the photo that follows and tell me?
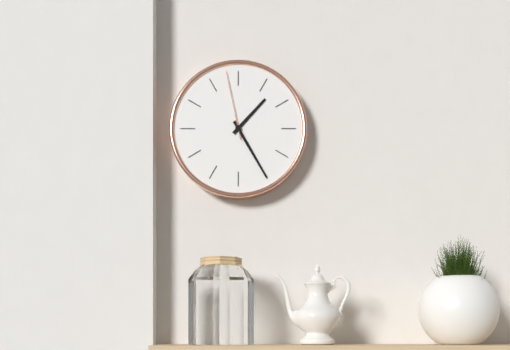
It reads 1 h 25 min 58 s
